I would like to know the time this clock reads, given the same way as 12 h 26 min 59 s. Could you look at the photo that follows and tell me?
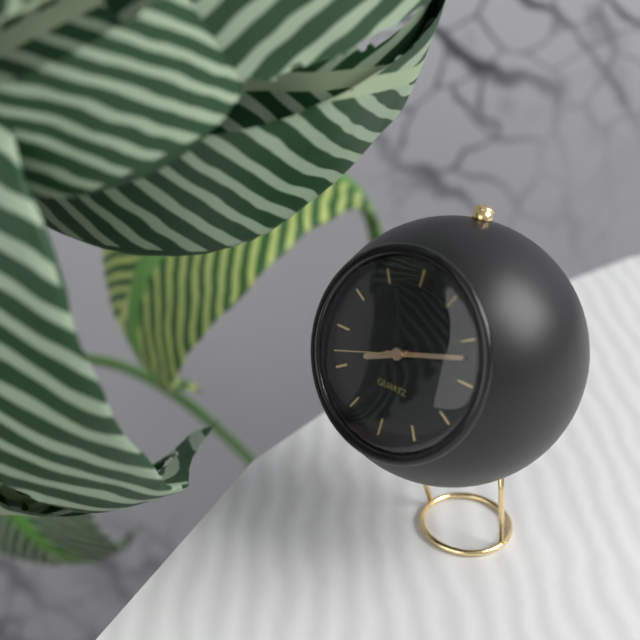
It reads 8 h 12 min 42 s
